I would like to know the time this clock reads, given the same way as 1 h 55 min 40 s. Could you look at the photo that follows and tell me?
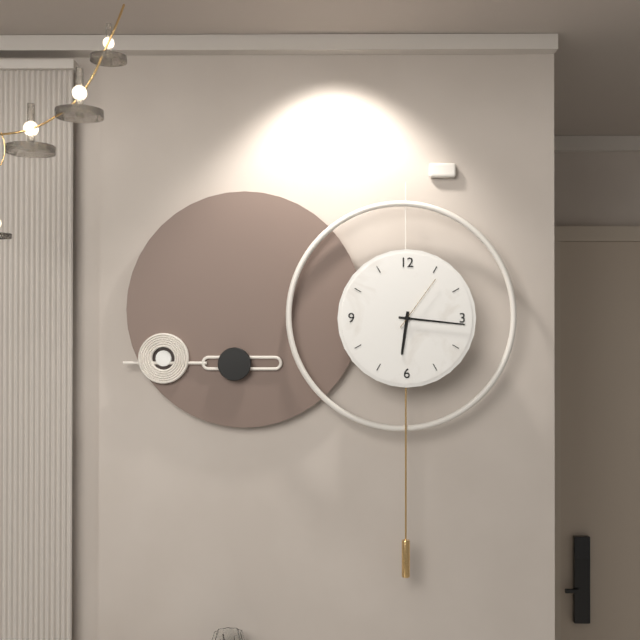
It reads 6 h 16 min 06 s
